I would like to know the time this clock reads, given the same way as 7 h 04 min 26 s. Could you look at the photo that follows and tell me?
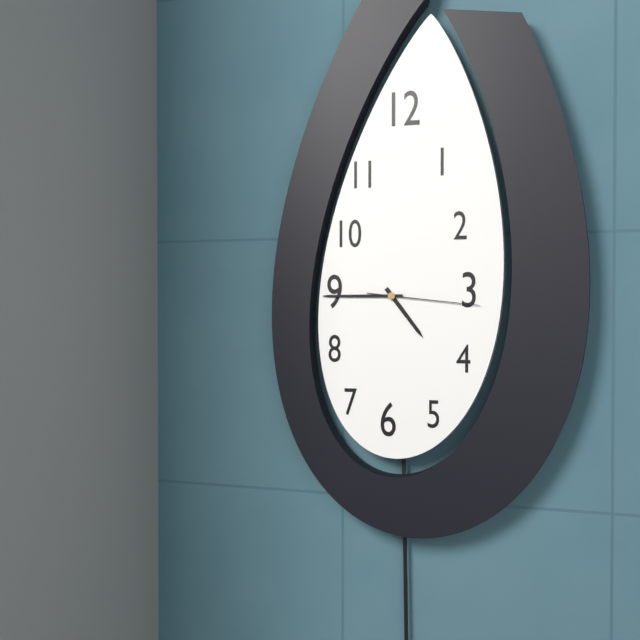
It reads 4 h 45 min 16 s
